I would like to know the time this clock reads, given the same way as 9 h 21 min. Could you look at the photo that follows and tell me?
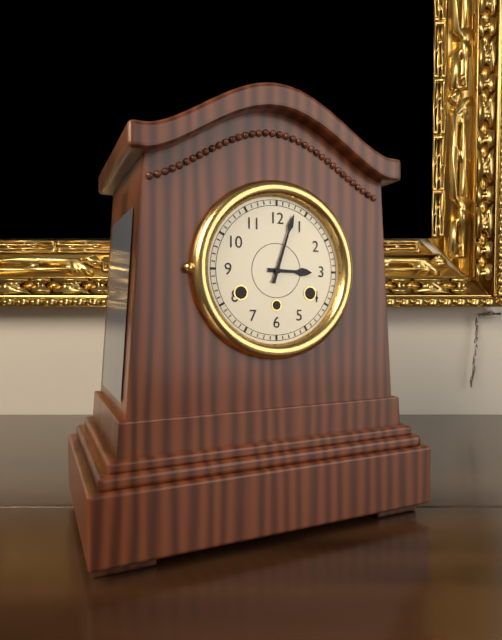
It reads 3 h 03 min
